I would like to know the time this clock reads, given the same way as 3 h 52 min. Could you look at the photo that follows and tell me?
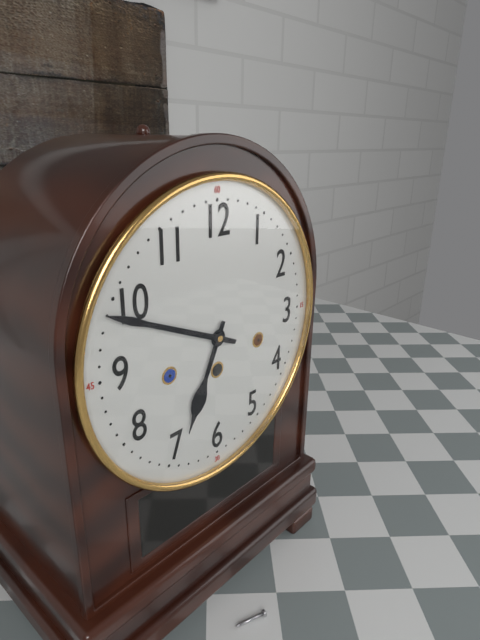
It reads 6 h 49 min
